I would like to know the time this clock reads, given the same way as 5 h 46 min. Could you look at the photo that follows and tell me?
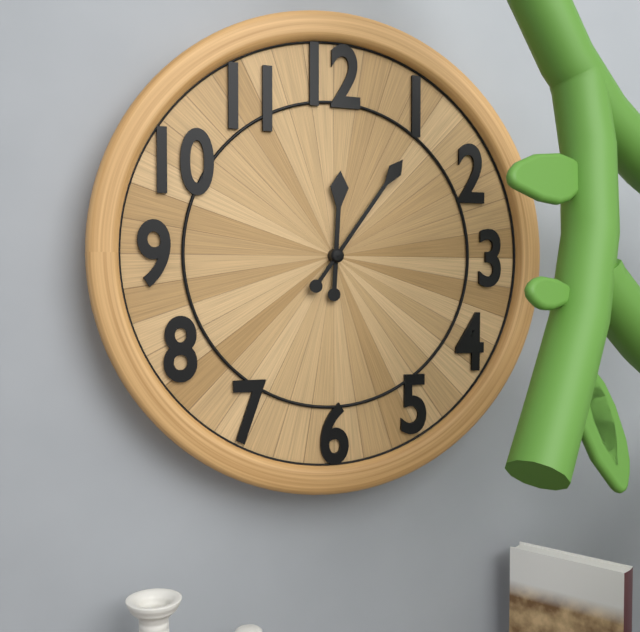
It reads 12 h 06 min
